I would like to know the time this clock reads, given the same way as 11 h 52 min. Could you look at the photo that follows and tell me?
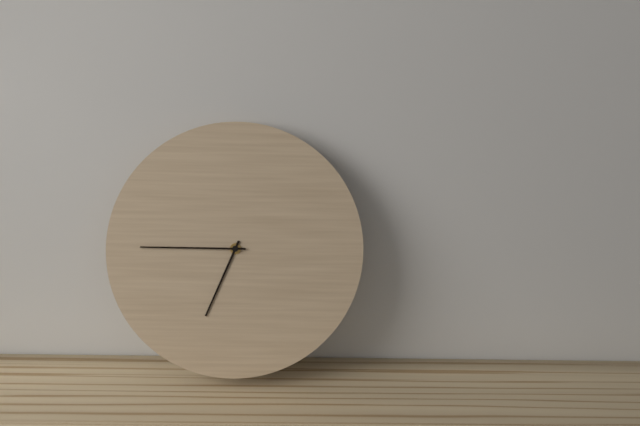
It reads 6 h 45 min
